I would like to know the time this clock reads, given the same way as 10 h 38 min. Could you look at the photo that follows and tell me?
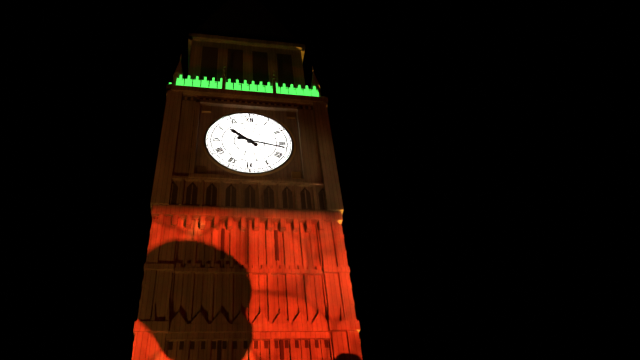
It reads 10 h 17 min
